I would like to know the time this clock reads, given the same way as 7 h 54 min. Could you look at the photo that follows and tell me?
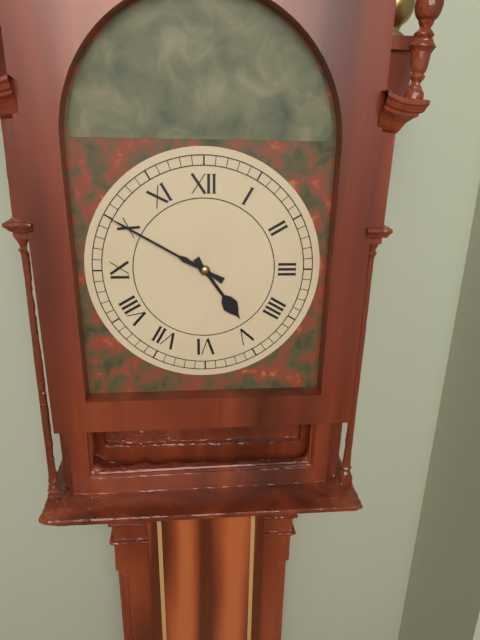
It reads 4 h 50 min
